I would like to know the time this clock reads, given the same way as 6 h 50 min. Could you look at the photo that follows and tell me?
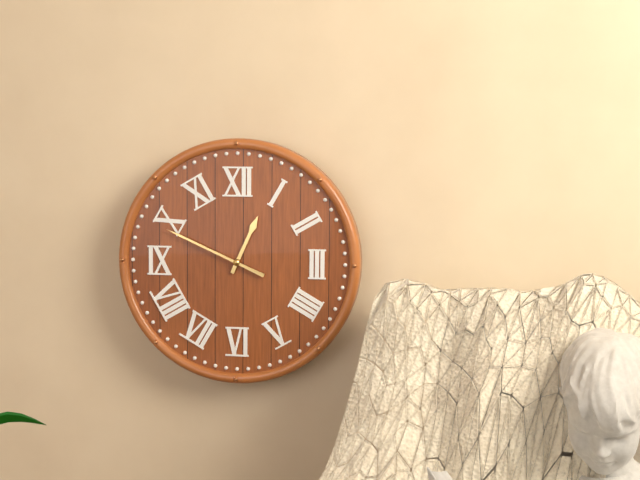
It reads 12 h 49 min
